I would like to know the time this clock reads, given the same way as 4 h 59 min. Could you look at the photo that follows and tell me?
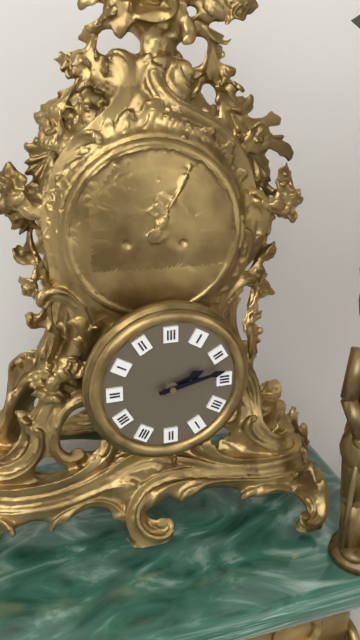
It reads 2 h 13 min
